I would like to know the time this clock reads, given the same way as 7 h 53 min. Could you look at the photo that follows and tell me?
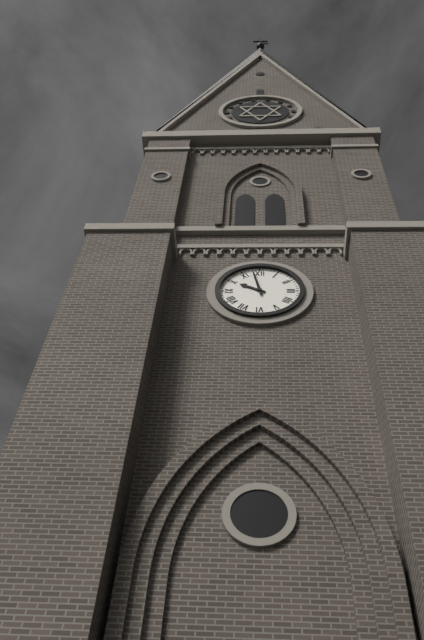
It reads 9 h 58 min
